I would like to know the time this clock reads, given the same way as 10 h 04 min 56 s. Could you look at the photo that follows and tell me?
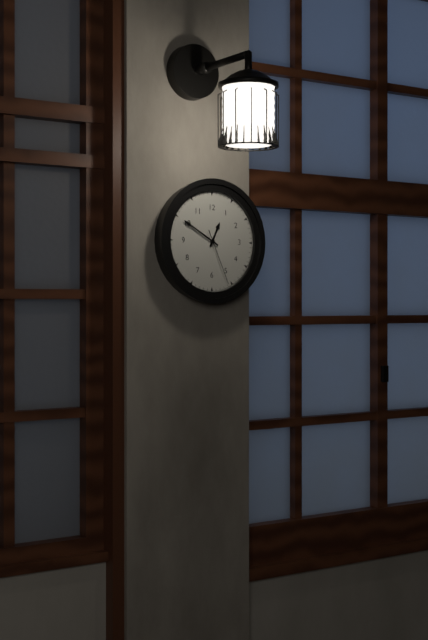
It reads 12 h 50 min 26 s
